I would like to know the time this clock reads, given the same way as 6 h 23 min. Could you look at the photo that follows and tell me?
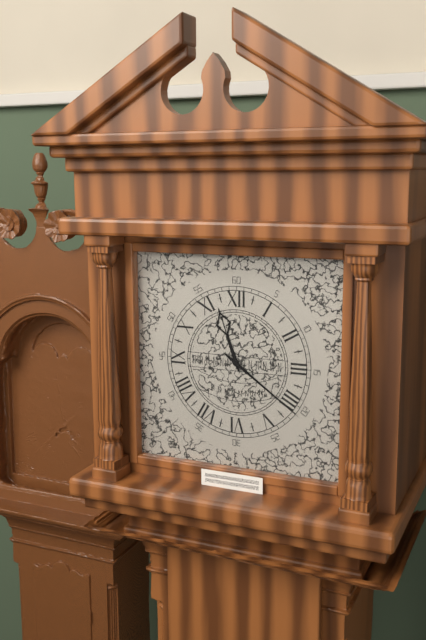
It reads 11 h 21 min
